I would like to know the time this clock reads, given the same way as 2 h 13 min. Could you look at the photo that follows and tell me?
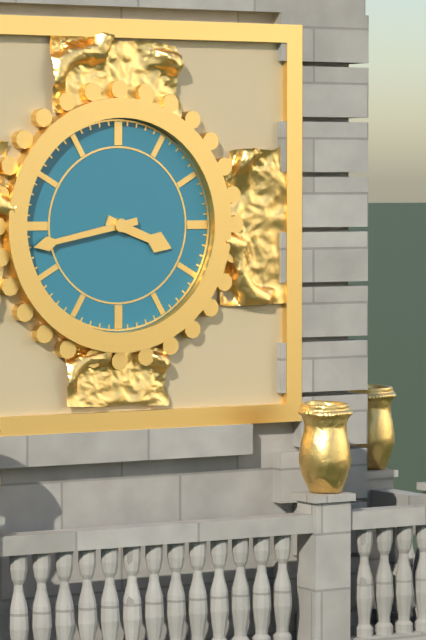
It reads 3 h 43 min
